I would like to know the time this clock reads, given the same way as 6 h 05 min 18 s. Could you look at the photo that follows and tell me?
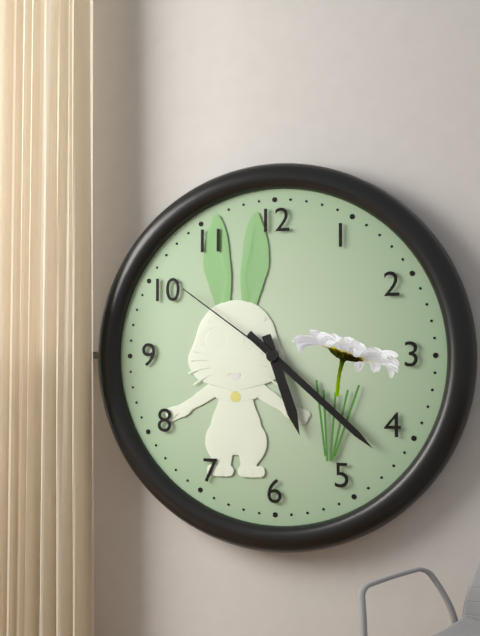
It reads 5 h 22 min 51 s
